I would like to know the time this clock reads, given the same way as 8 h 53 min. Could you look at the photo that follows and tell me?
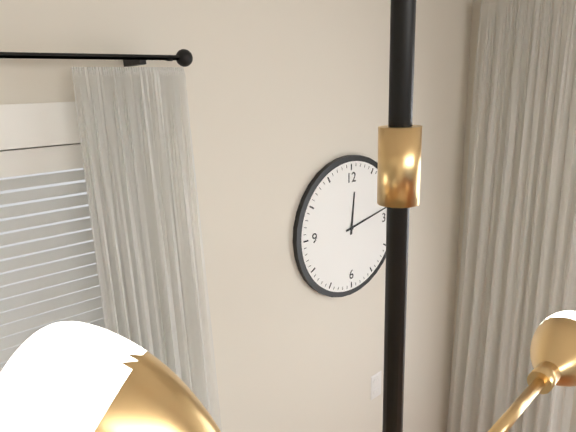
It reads 12 h 13 min
